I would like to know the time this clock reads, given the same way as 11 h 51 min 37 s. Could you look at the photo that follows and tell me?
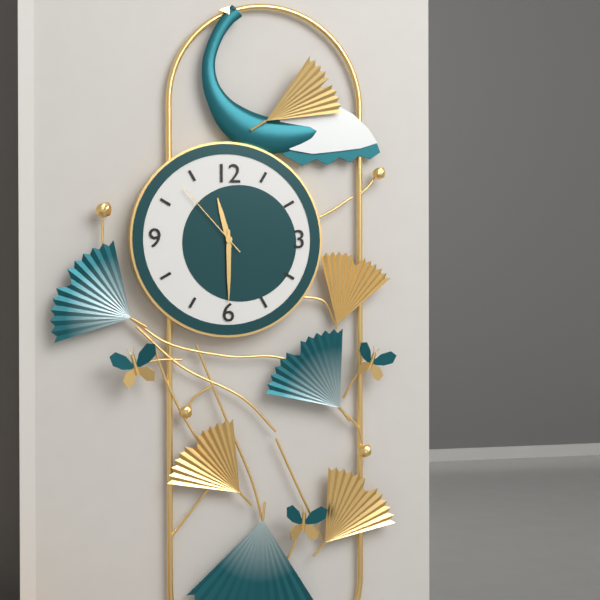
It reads 11 h 30 min 53 s
